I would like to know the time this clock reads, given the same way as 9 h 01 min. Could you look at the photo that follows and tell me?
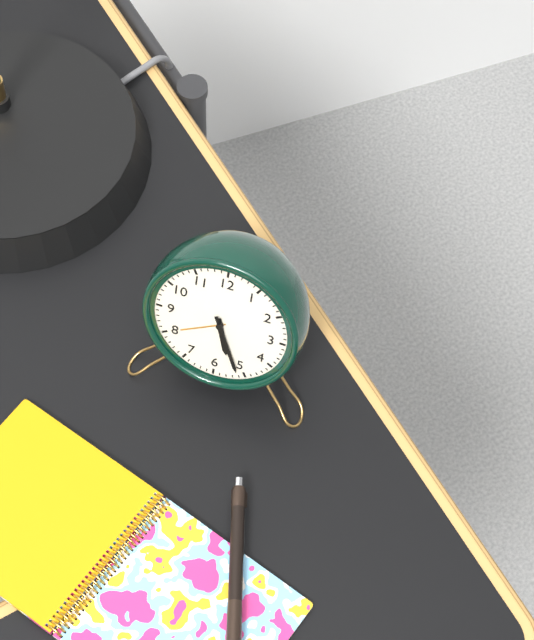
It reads 5 h 26 min
